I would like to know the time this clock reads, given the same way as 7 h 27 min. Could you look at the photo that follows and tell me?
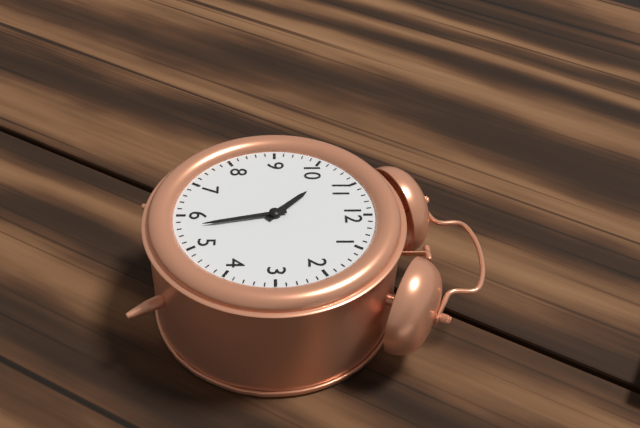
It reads 10 h 28 min
